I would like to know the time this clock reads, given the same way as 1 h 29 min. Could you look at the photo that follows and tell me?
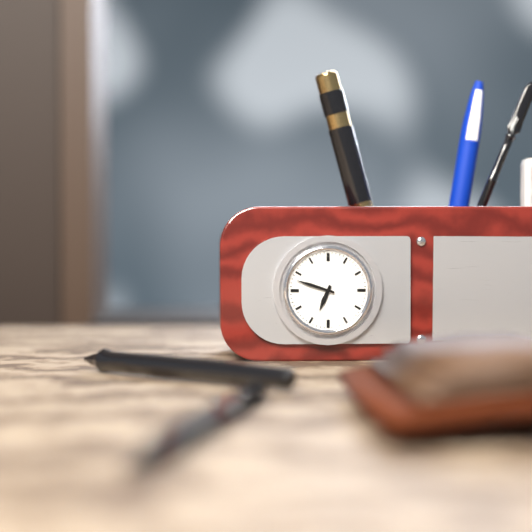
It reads 6 h 48 min
